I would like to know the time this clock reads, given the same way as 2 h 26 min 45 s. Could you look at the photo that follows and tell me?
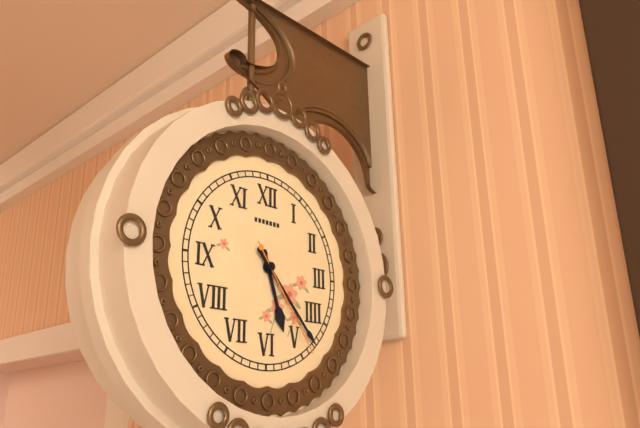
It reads 5 h 23 min 24 s
